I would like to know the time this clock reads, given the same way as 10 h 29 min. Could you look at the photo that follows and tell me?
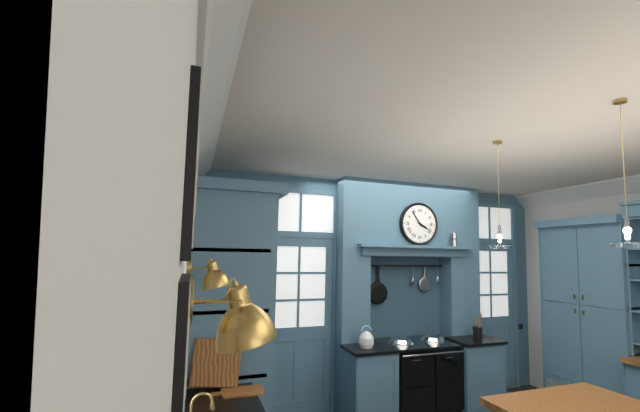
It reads 3 h 54 min
